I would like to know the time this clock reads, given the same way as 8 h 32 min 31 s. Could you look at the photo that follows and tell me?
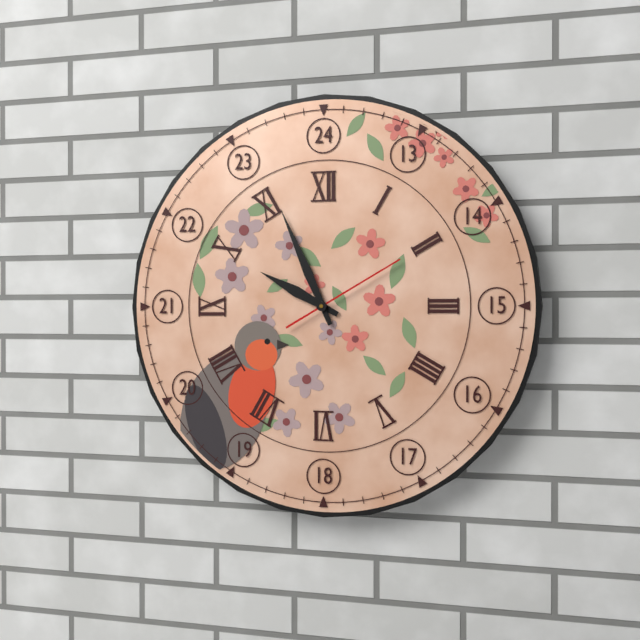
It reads 9 h 56 min 10 s
